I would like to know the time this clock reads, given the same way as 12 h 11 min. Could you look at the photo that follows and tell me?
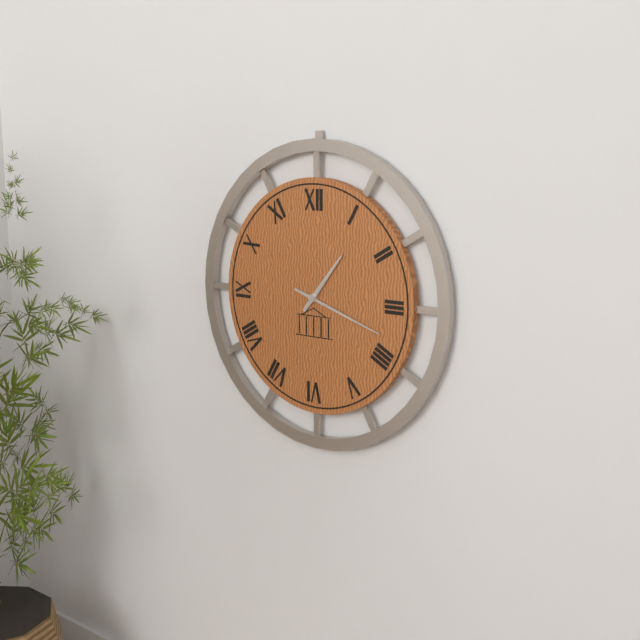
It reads 1 h 18 min
